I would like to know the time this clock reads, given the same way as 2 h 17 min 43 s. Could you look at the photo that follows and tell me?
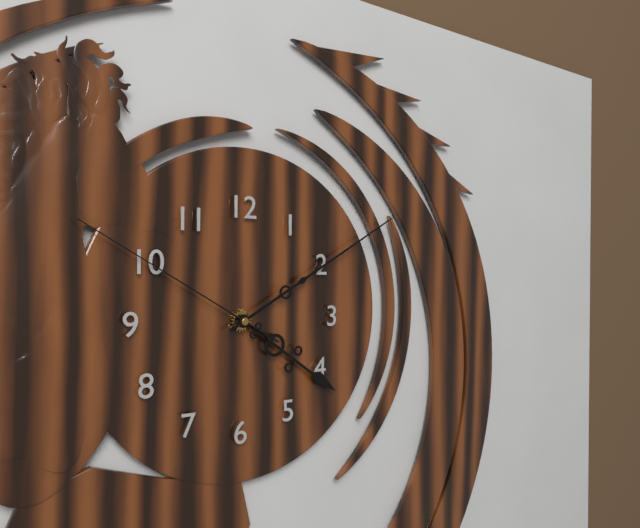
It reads 4 h 10 min 50 s
